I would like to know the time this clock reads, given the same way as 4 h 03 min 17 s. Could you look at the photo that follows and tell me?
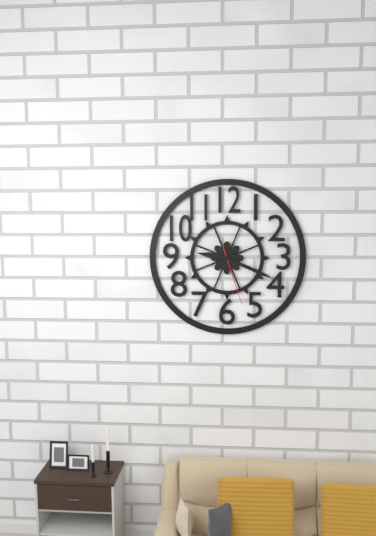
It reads 9 h 19 min 27 s
